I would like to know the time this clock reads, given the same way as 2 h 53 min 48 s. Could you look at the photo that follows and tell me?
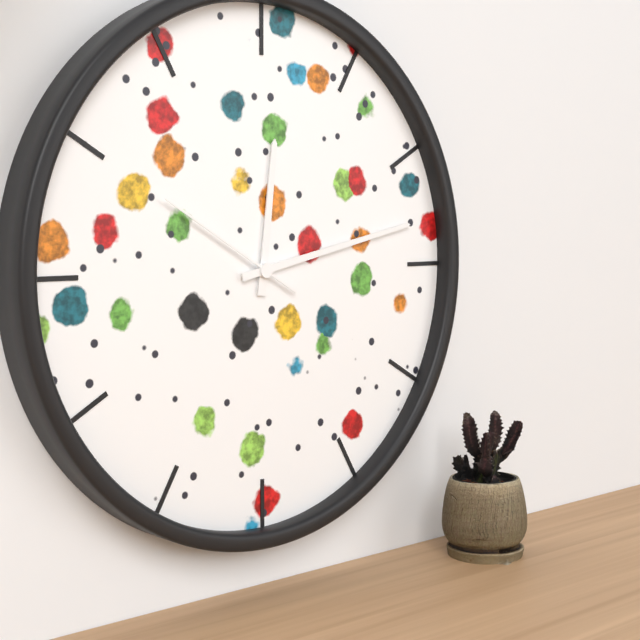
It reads 12 h 13 min 50 s
